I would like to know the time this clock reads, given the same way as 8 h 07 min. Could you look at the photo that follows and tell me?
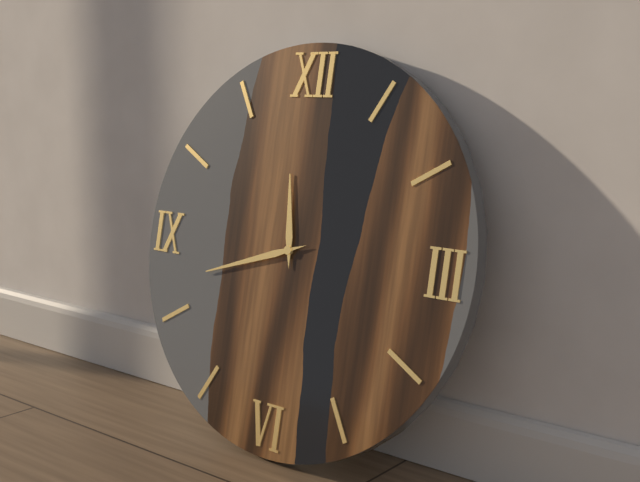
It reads 11 h 42 min
